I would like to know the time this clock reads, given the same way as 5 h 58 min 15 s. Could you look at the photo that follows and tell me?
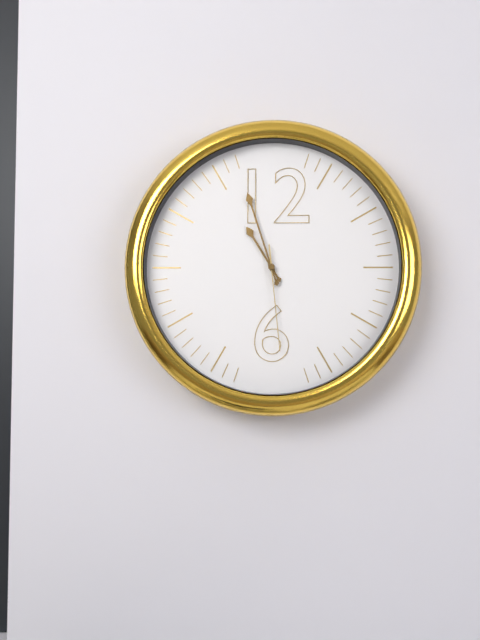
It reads 10 h 57 min 29 s
